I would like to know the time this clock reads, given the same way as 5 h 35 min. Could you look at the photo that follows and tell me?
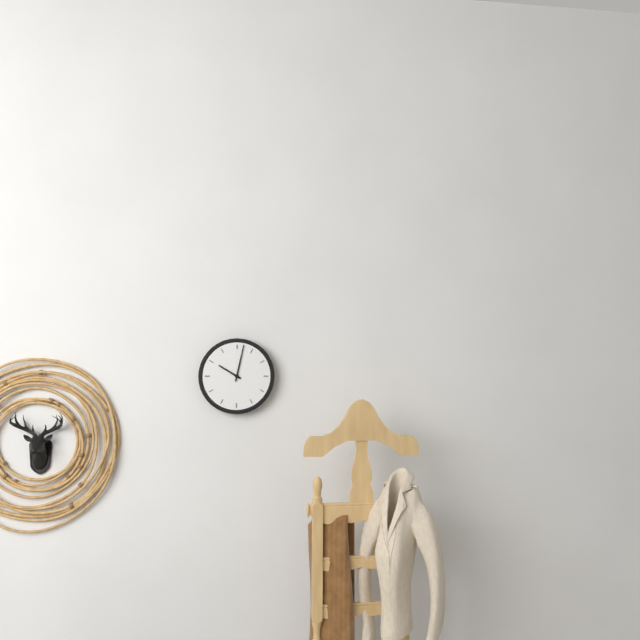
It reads 10 h 02 min
